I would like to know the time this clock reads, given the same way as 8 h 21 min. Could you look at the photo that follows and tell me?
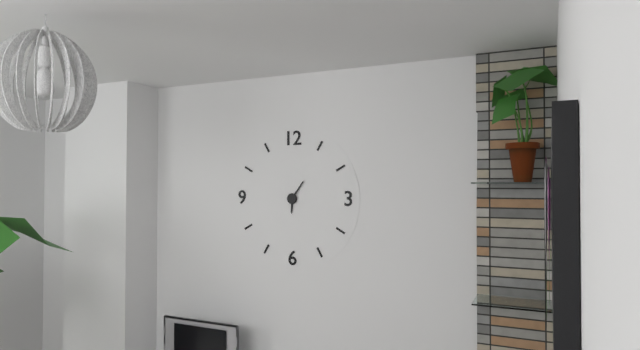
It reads 6 h 06 min
